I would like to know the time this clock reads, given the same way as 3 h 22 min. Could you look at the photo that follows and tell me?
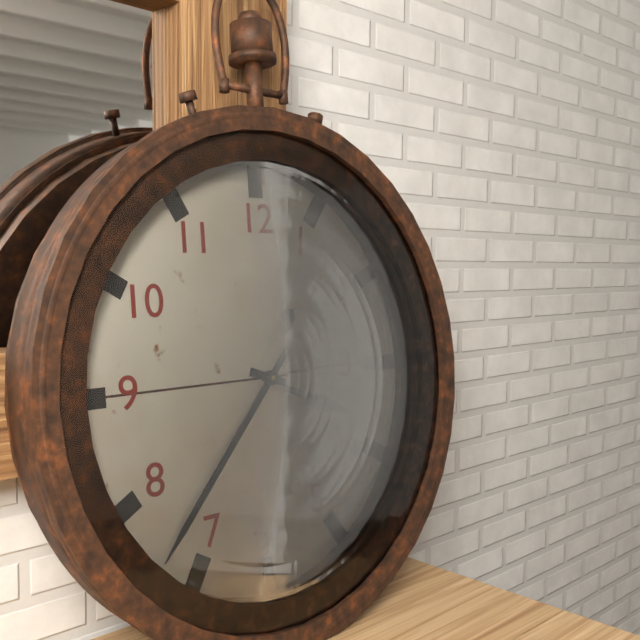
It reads 3 h 37 min
